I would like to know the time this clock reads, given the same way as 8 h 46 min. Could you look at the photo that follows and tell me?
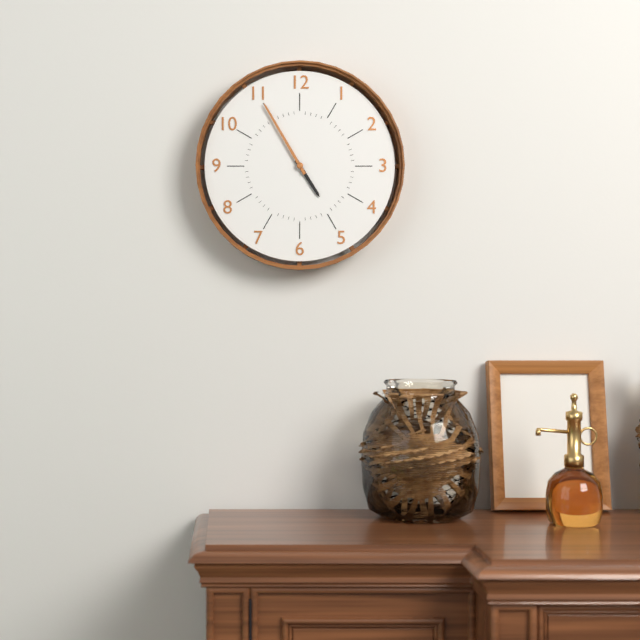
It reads 4 h 55 min
